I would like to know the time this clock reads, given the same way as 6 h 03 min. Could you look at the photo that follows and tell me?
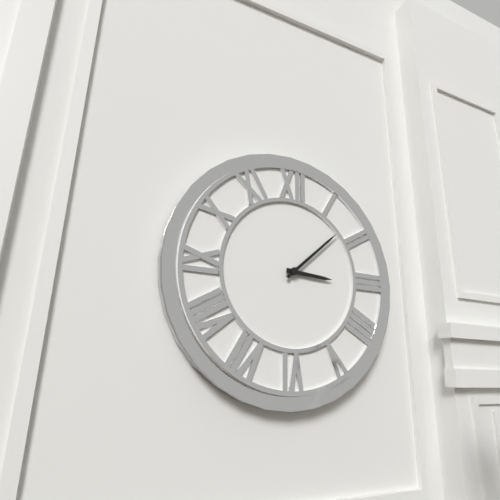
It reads 3 h 08 min
